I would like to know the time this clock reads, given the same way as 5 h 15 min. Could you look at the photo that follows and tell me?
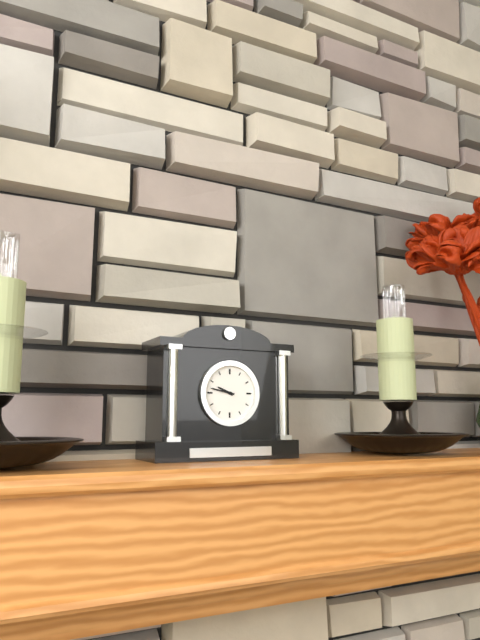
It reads 9 h 47 min
